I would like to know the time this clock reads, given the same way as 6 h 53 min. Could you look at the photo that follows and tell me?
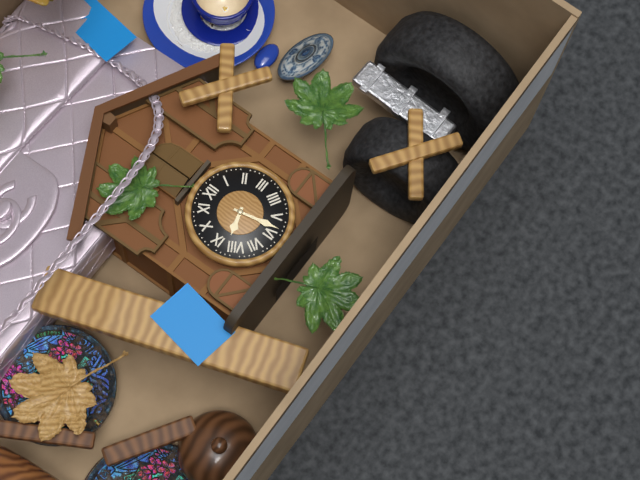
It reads 8 h 28 min
